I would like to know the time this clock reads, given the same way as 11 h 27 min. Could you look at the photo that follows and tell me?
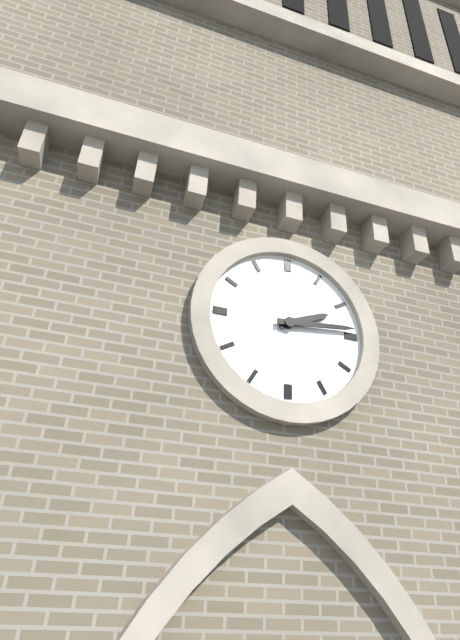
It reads 2 h 14 min
